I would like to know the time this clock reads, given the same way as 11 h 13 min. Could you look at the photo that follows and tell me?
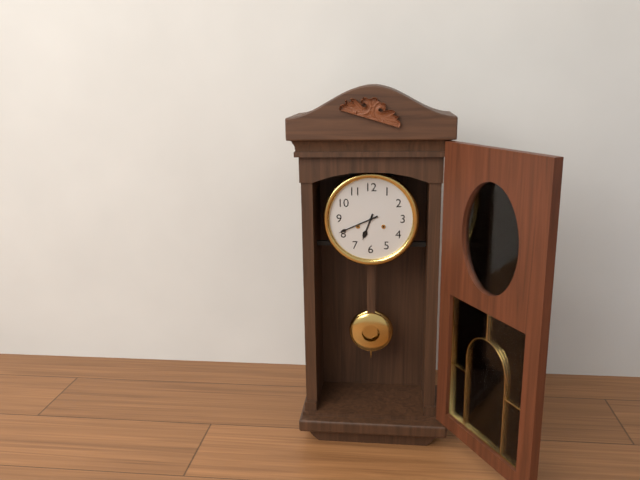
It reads 6 h 41 min
